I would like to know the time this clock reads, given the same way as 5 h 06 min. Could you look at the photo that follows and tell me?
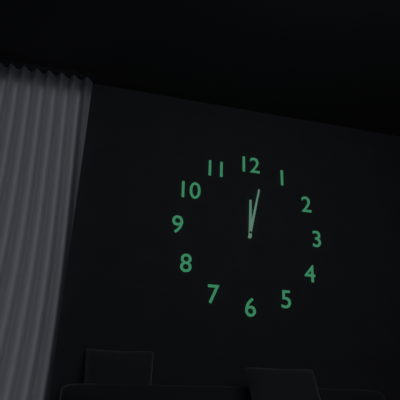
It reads 12 h 02 min
